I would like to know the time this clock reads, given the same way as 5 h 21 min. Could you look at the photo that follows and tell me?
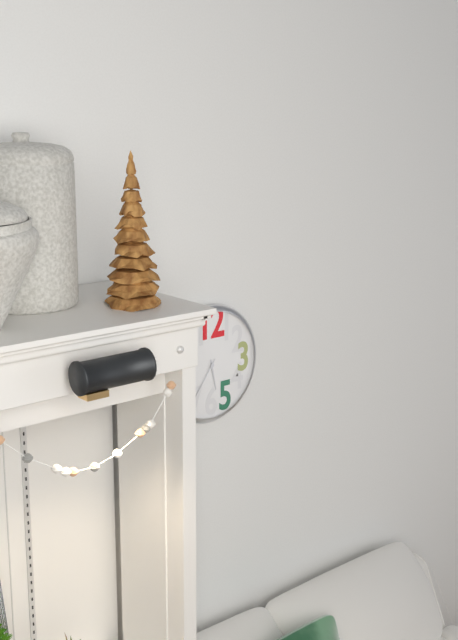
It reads 5 h 36 min
